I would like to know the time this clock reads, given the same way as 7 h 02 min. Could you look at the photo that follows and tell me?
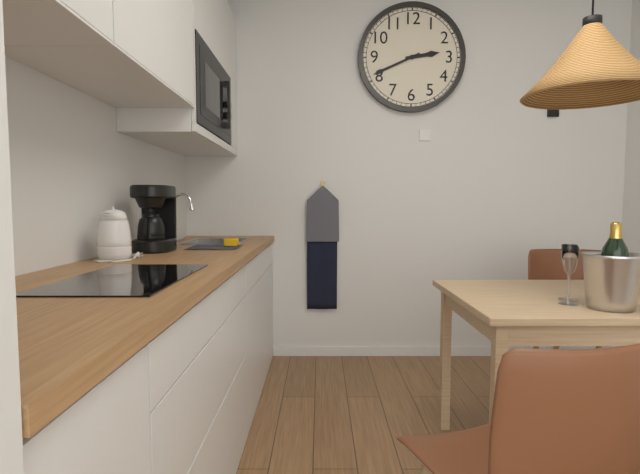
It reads 2 h 41 min
